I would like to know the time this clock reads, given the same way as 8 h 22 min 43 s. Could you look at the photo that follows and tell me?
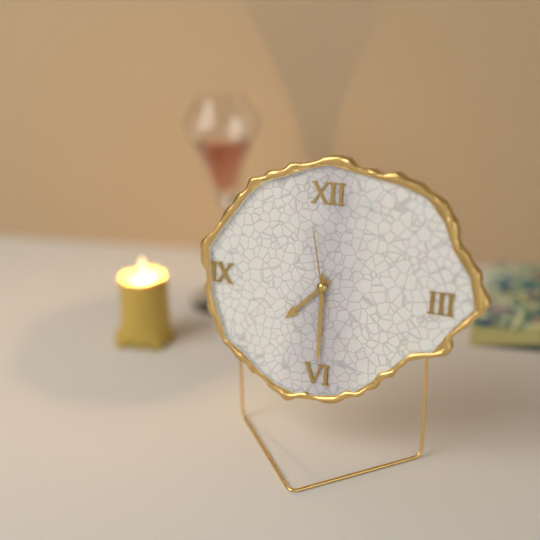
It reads 7 h 30 min 58 s
